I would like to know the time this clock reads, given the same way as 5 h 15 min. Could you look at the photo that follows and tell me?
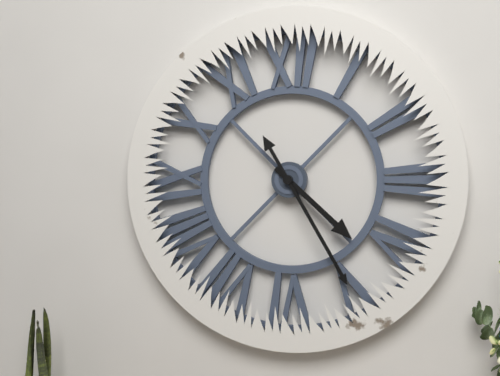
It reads 4 h 25 min
